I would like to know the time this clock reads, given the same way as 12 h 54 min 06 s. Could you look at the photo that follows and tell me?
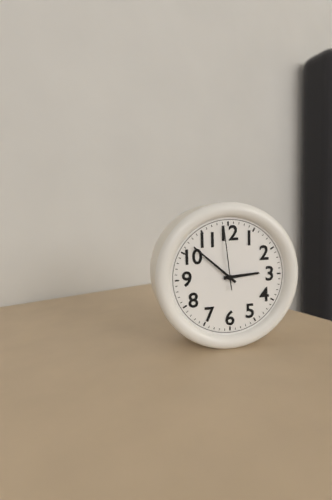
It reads 2 h 52 min 59 s
